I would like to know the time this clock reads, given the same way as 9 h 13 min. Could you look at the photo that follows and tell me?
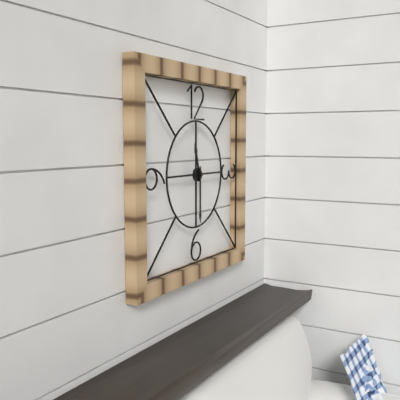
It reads 11 h 30 min
